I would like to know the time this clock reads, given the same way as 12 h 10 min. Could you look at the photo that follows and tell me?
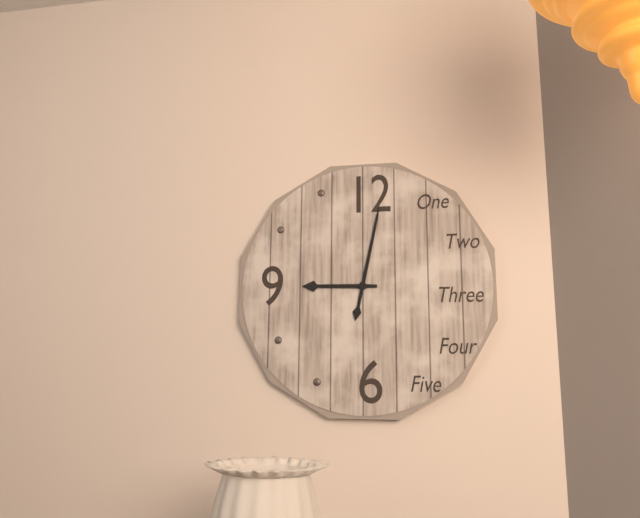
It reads 9 h 02 min
